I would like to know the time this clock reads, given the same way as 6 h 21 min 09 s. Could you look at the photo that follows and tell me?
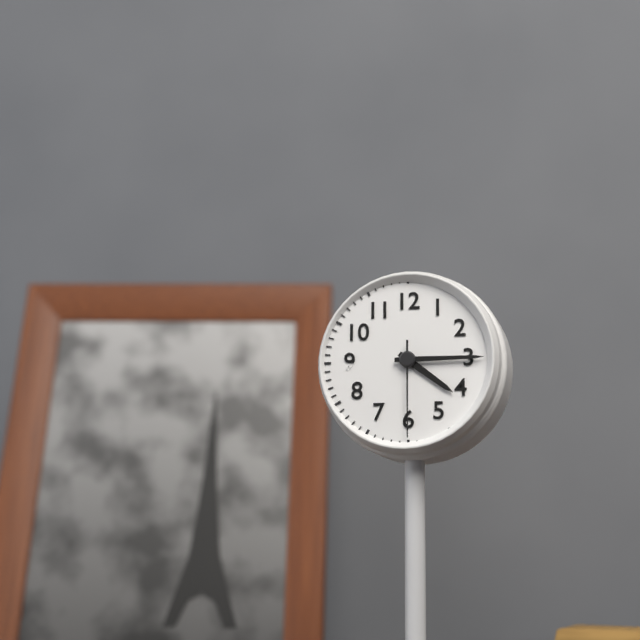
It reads 4 h 15 min 30 s
